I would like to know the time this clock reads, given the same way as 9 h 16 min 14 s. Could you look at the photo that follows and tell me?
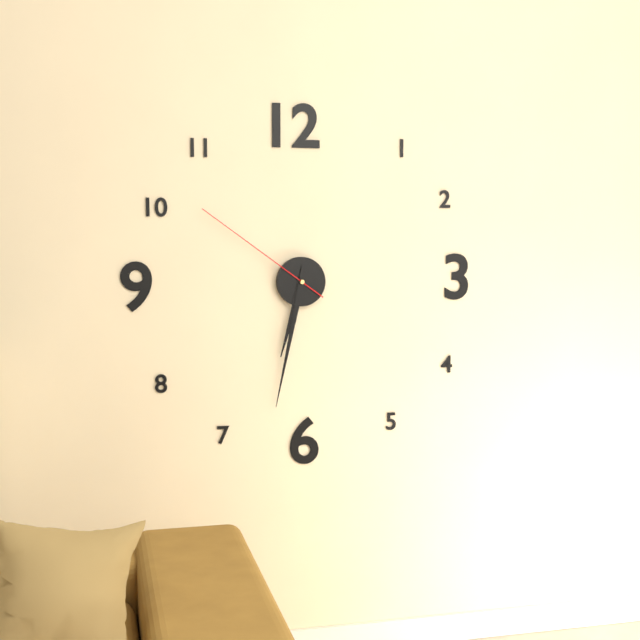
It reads 6 h 32 min 51 s
